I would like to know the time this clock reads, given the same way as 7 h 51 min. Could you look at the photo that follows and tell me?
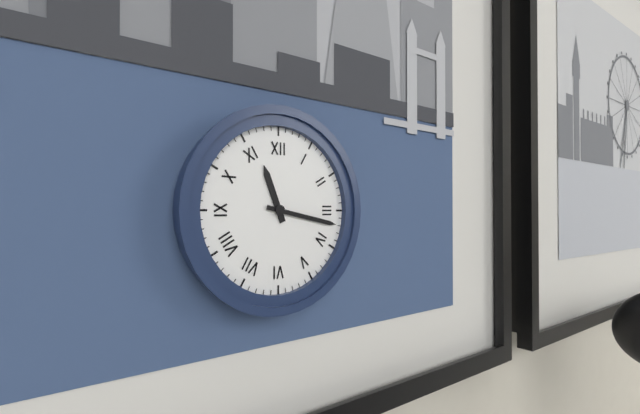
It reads 11 h 17 min
